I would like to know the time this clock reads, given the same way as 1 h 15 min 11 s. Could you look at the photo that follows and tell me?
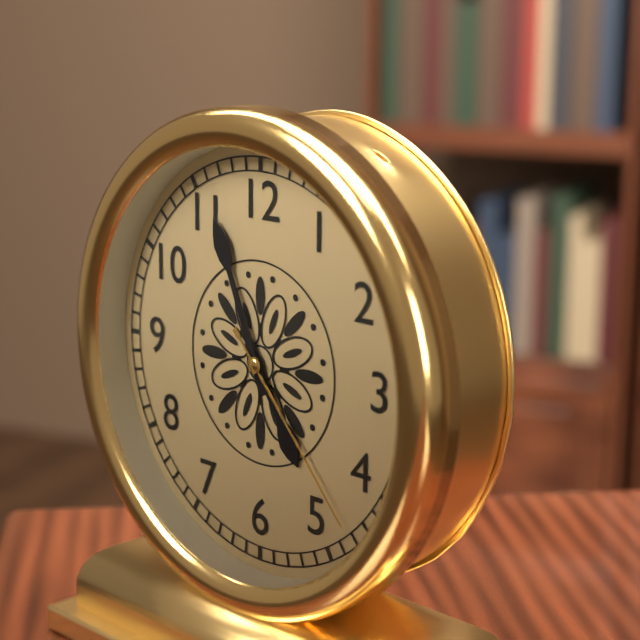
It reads 4 h 56 min 23 s
